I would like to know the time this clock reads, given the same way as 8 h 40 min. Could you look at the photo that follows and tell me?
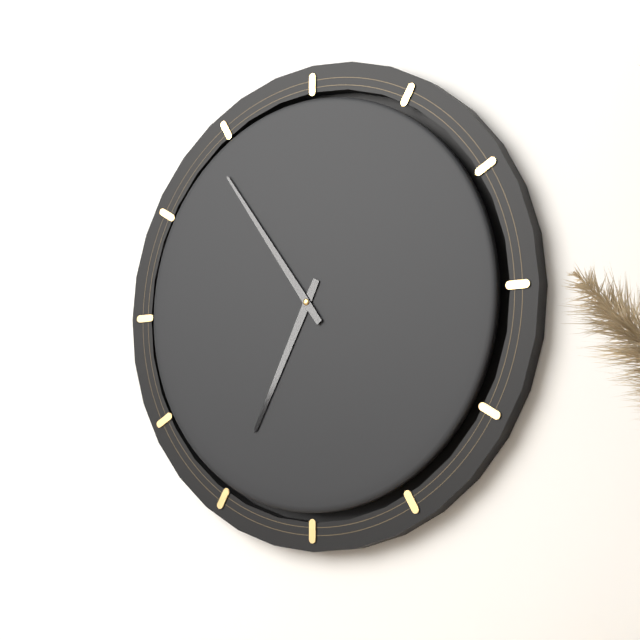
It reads 6 h 54 min
